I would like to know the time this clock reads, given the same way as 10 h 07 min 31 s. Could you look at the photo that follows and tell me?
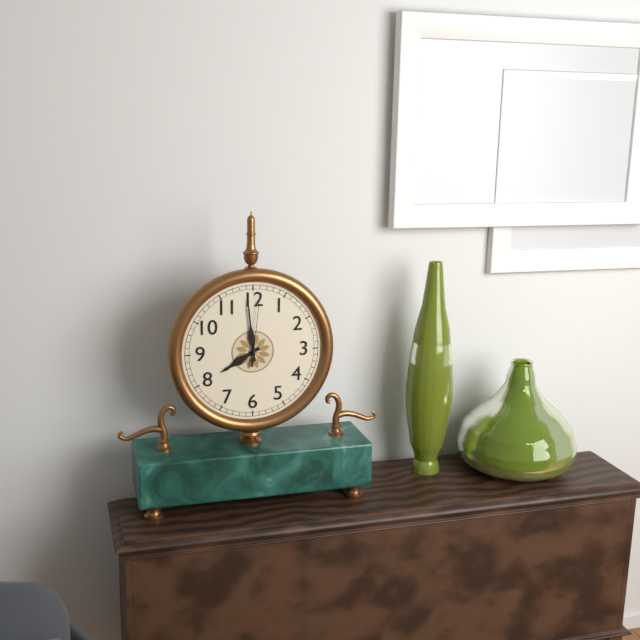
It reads 7 h 59 min 01 s
